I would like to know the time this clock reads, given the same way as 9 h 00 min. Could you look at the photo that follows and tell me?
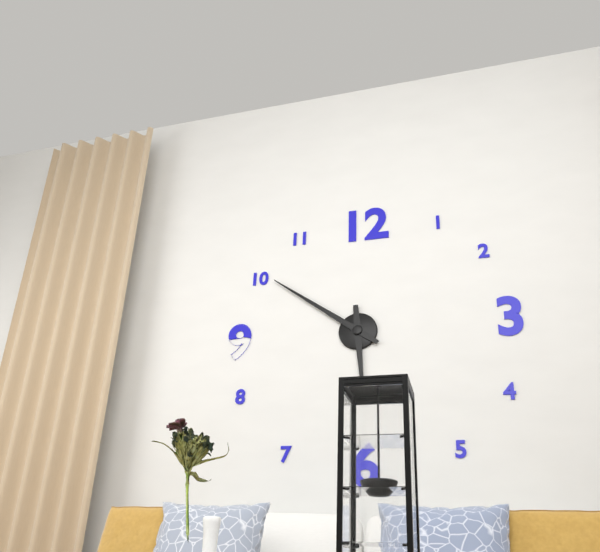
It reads 5 h 51 min
